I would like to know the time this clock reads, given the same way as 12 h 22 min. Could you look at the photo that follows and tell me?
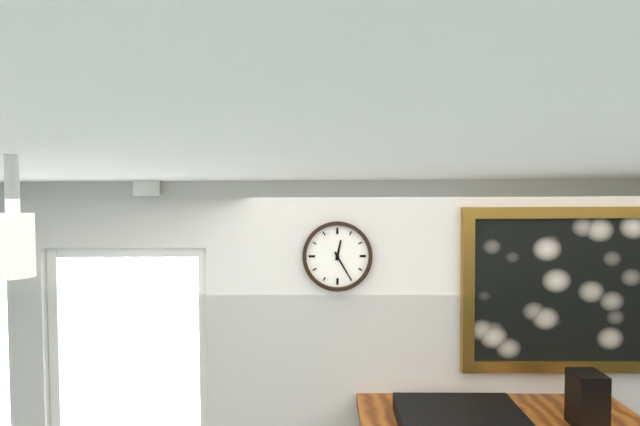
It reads 12 h 25 min
